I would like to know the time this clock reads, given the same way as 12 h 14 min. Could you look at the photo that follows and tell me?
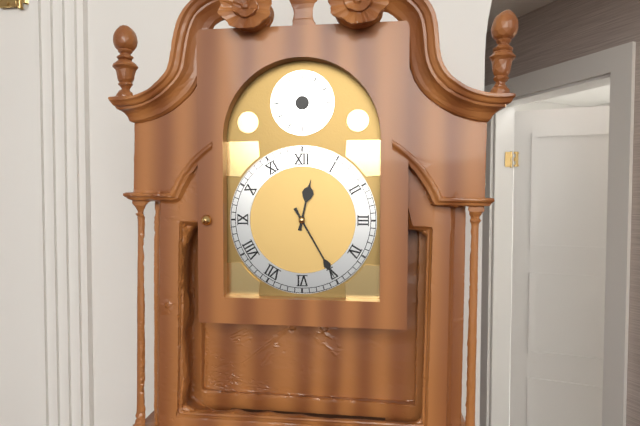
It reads 12 h 25 min
